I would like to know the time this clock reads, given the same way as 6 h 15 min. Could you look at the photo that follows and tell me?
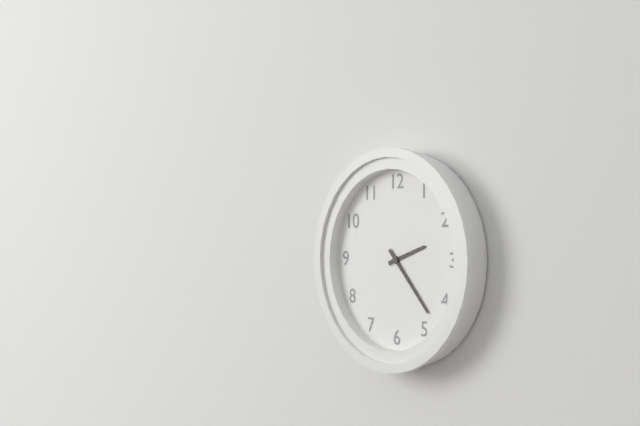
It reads 2 h 23 min
